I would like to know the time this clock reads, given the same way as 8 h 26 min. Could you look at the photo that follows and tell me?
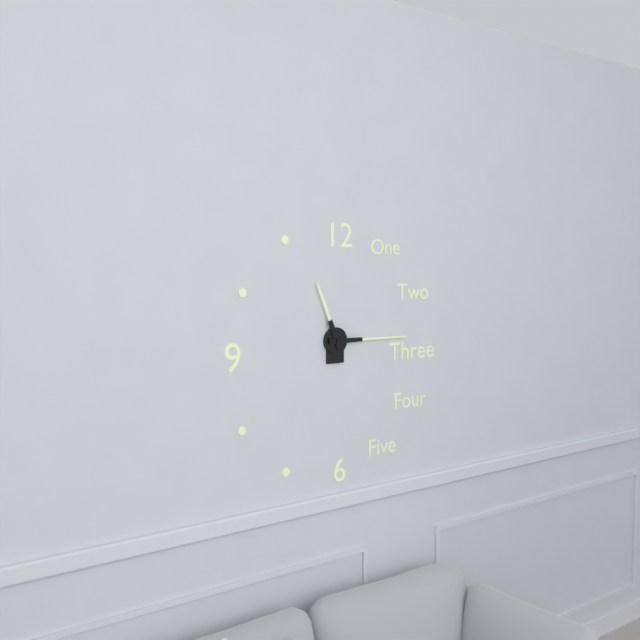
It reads 11 h 15 min
